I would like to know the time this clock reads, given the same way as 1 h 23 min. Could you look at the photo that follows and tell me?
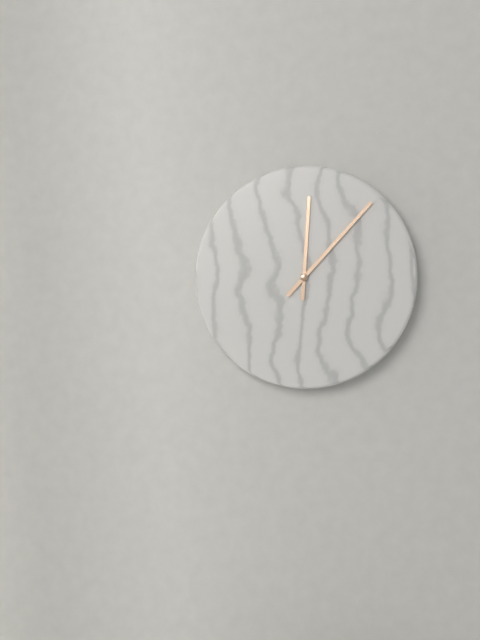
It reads 12 h 07 min
